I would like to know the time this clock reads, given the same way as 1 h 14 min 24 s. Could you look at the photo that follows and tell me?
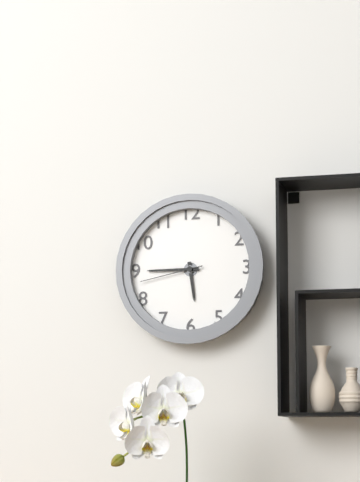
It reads 5 h 45 min 43 s
